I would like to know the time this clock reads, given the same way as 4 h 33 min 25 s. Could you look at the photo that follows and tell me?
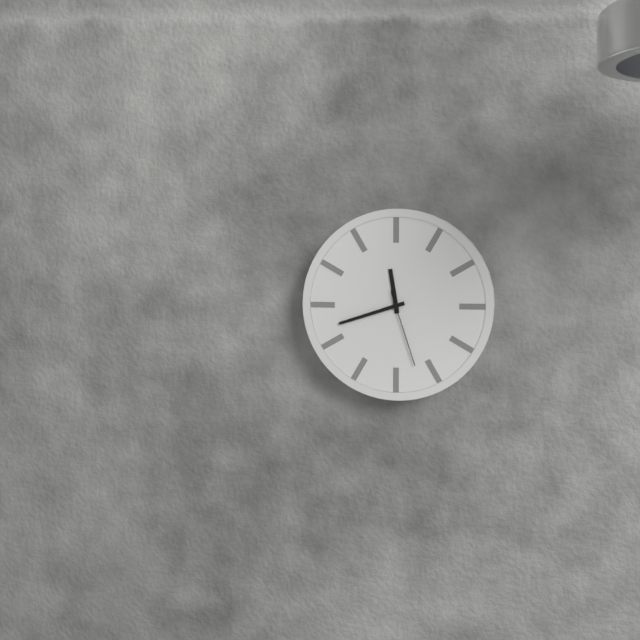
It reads 11 h 42 min 27 s
